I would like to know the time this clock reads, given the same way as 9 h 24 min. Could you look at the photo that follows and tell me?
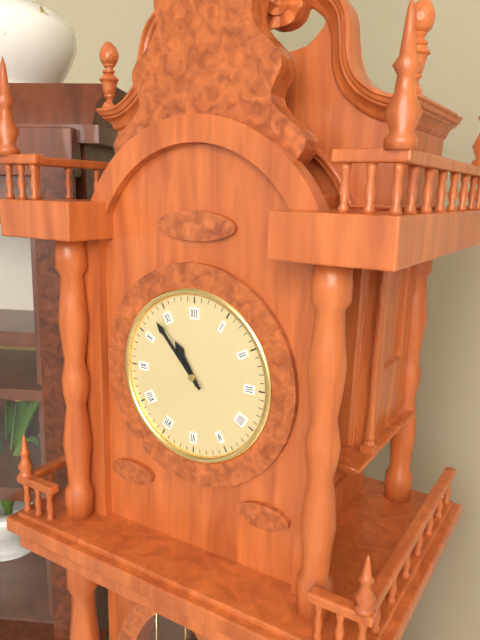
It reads 10 h 53 min
